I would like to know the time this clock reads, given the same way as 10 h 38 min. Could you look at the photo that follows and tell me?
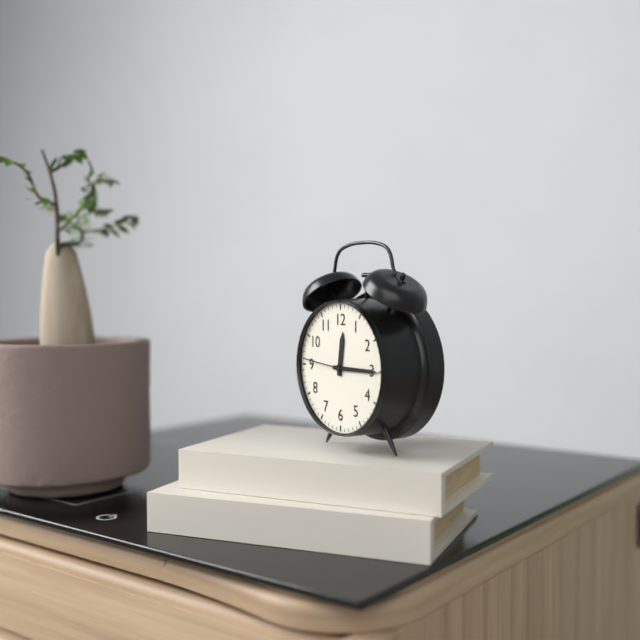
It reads 12 h 15 min
